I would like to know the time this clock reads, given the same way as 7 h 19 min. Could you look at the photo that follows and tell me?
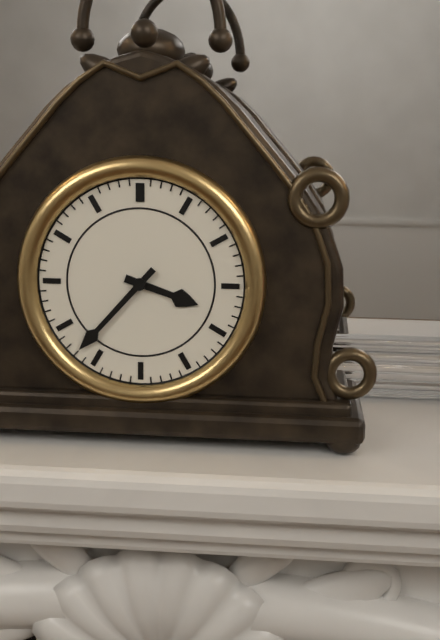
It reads 3 h 37 min
